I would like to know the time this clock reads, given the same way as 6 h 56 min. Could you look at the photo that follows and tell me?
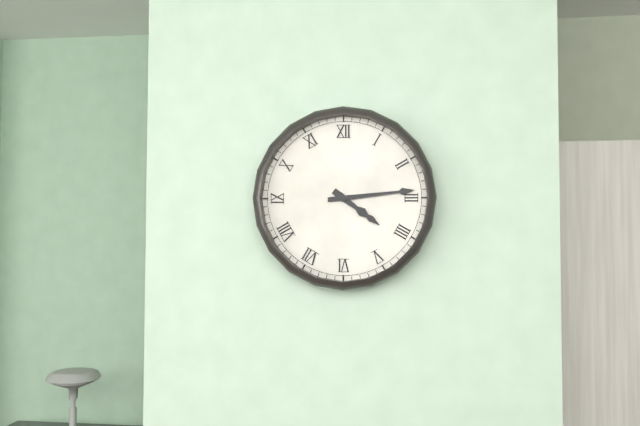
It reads 4 h 14 min
